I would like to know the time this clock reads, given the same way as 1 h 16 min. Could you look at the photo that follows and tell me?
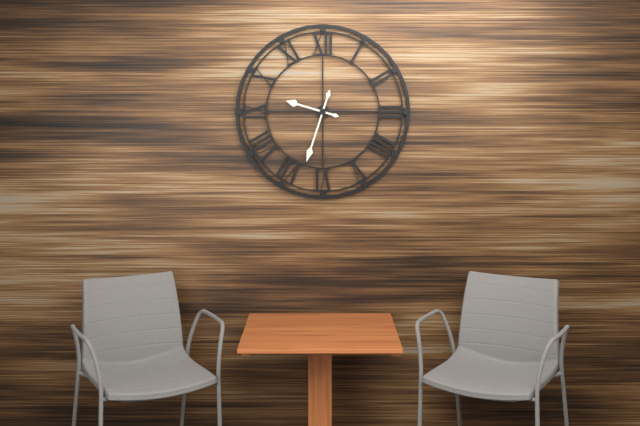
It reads 9 h 33 min
